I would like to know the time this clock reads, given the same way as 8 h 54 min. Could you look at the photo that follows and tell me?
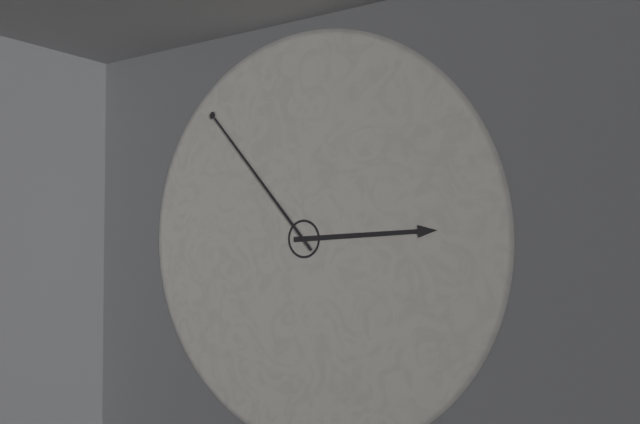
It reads 2 h 53 min
